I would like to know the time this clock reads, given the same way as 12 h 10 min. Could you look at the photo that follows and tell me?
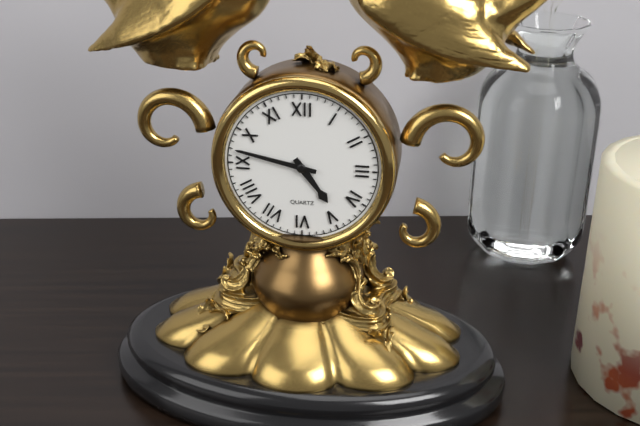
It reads 4 h 47 min
